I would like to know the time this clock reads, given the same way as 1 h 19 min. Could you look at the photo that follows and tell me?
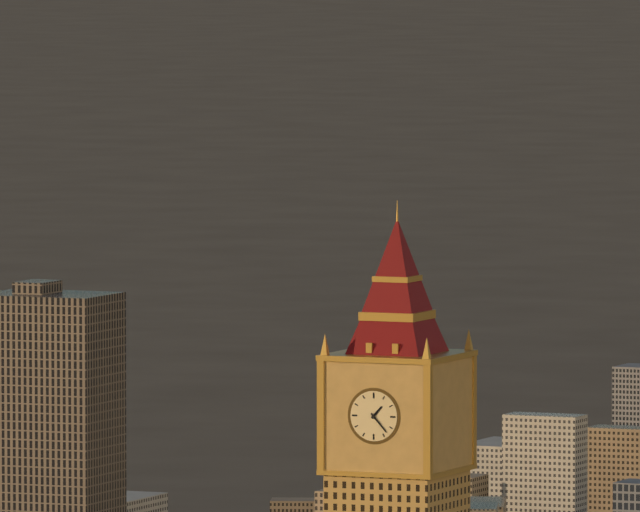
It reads 1 h 23 min
